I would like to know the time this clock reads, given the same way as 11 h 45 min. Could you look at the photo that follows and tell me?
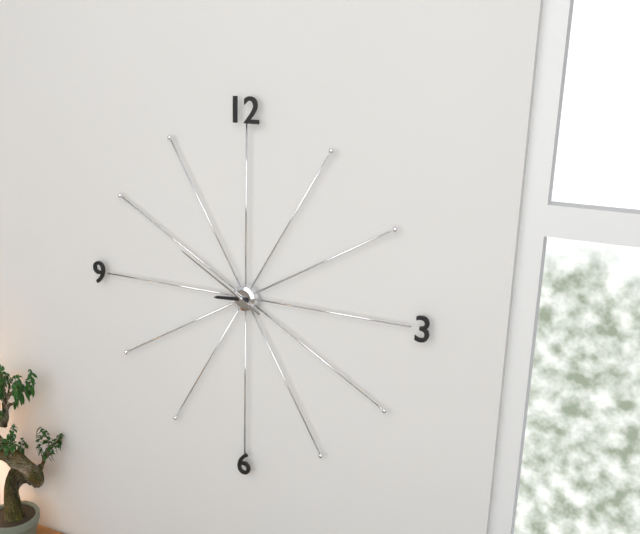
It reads 8 h 50 min
